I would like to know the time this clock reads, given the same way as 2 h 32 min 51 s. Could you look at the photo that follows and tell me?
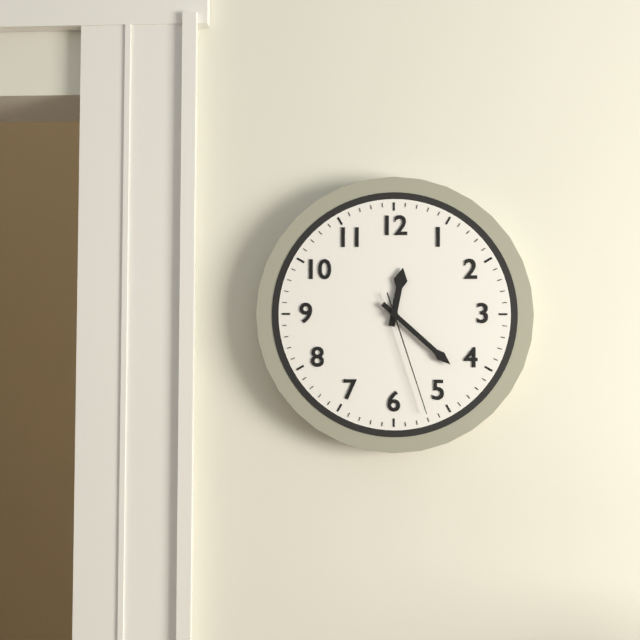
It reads 12 h 22 min 27 s
